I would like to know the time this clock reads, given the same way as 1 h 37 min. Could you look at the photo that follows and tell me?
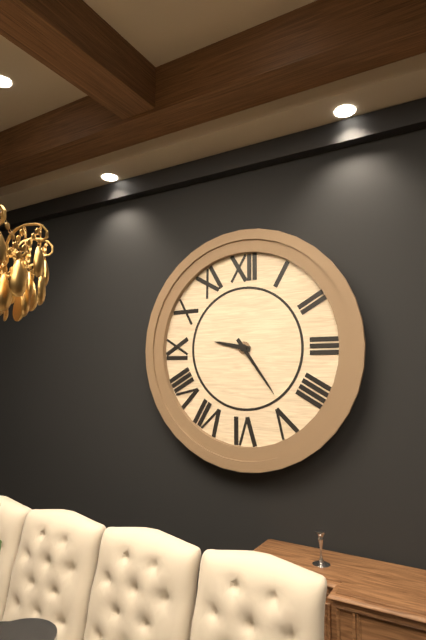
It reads 9 h 24 min
